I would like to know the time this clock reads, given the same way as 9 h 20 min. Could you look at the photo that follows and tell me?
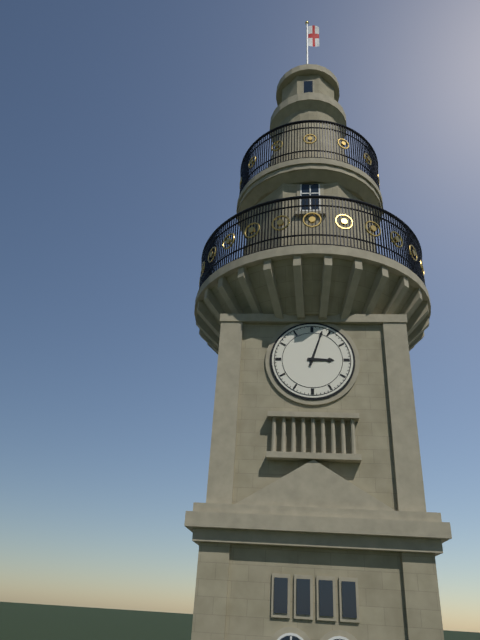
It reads 3 h 03 min
